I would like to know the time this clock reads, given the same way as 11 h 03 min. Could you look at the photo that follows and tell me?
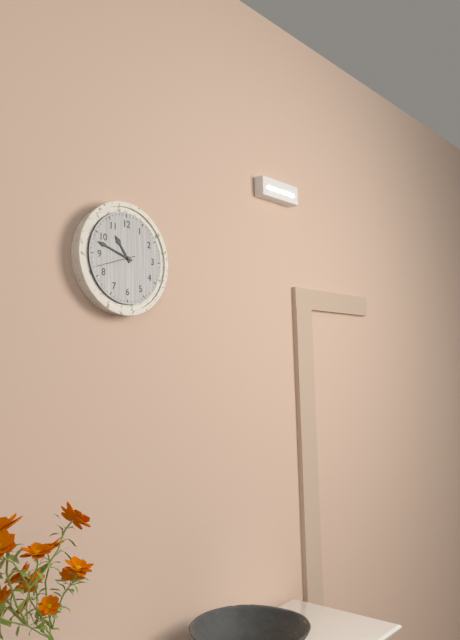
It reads 10 h 48 min
